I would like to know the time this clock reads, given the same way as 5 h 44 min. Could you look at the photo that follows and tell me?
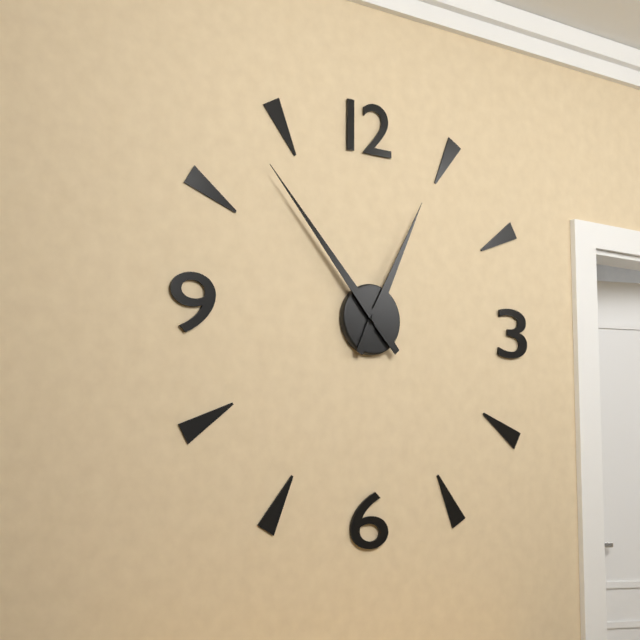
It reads 12 h 53 min
